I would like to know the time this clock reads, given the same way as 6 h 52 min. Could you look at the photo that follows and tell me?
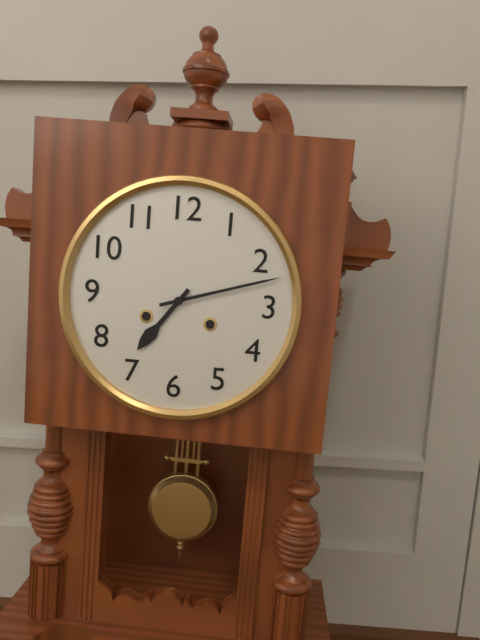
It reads 7 h 12 min
